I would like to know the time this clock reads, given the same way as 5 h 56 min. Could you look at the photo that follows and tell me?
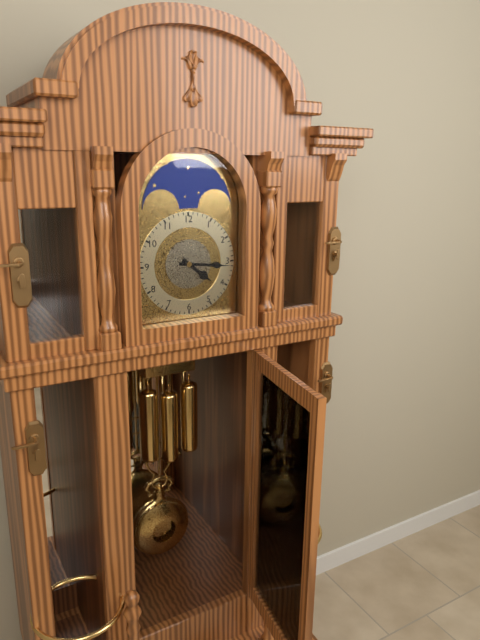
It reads 4 h 16 min
